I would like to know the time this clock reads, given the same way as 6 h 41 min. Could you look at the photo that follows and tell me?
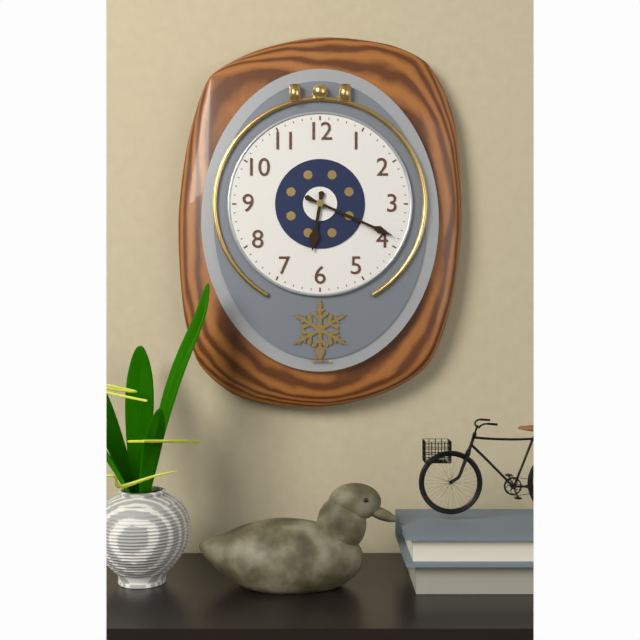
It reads 6 h 19 min
